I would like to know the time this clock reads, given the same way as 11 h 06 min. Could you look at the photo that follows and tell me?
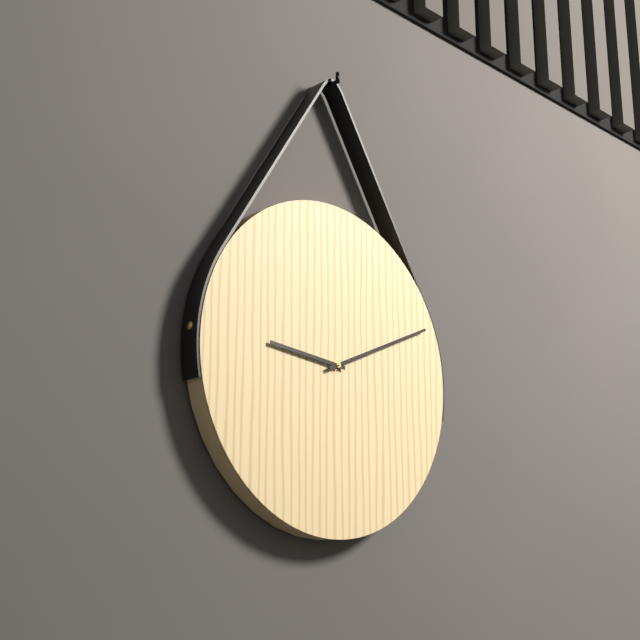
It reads 9 h 11 min
